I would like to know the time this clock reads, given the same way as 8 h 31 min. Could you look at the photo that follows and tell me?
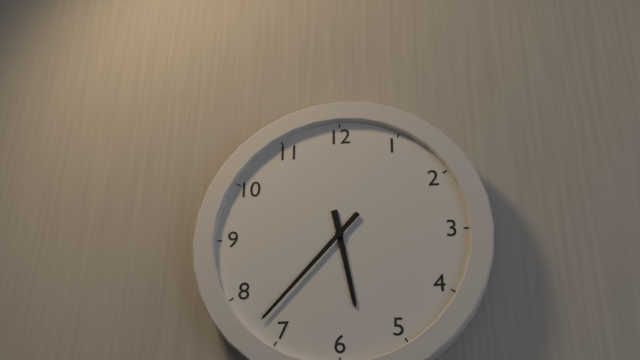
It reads 5 h 37 min
